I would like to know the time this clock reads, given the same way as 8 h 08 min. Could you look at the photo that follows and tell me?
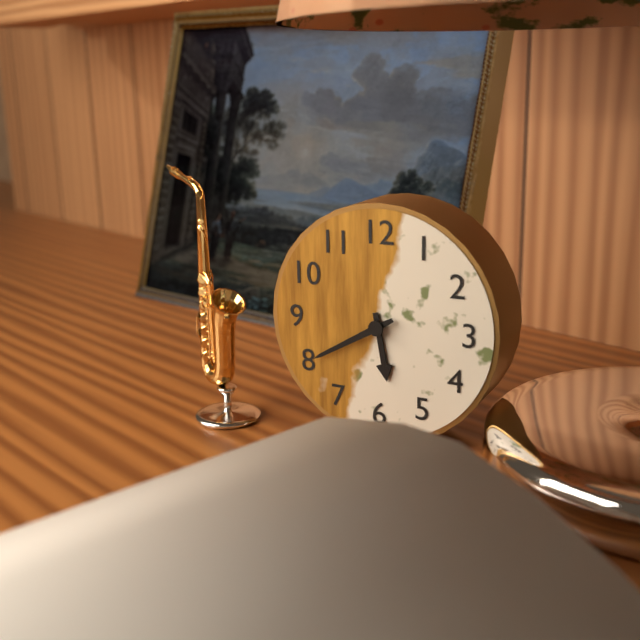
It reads 5 h 40 min
